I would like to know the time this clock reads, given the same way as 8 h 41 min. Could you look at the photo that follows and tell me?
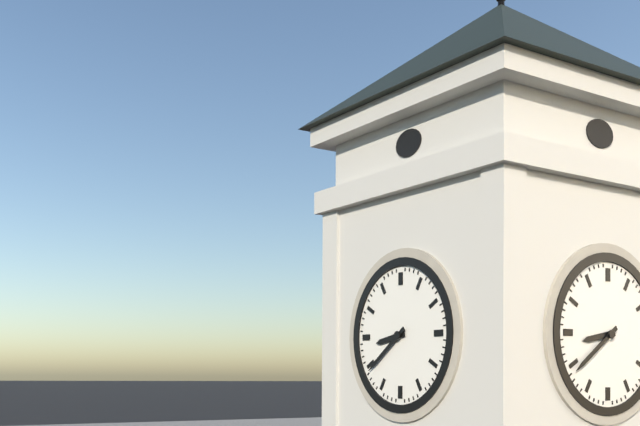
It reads 8 h 39 min
